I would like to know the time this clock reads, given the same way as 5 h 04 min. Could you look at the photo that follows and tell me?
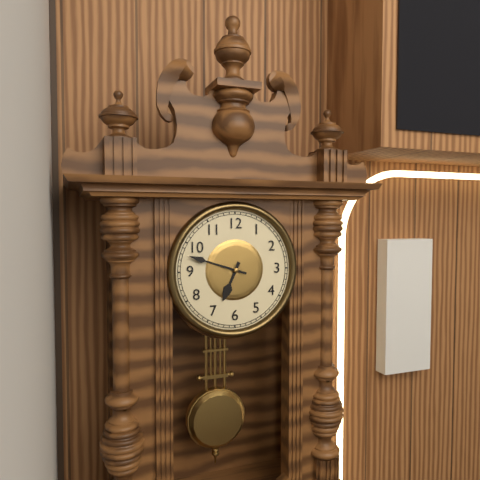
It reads 6 h 48 min
